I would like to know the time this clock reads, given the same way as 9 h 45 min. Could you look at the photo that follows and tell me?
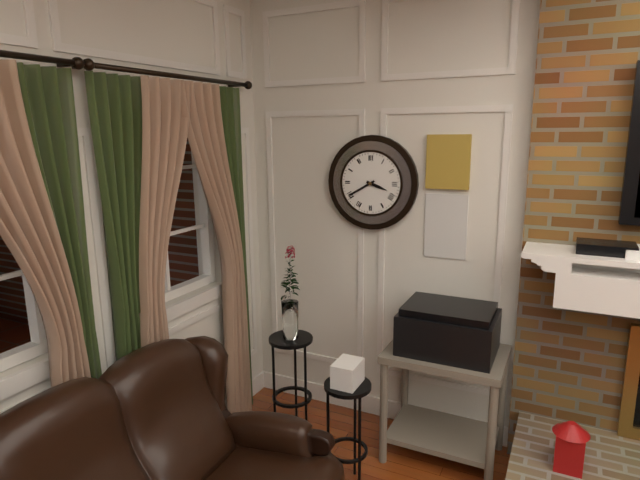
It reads 3 h 40 min
